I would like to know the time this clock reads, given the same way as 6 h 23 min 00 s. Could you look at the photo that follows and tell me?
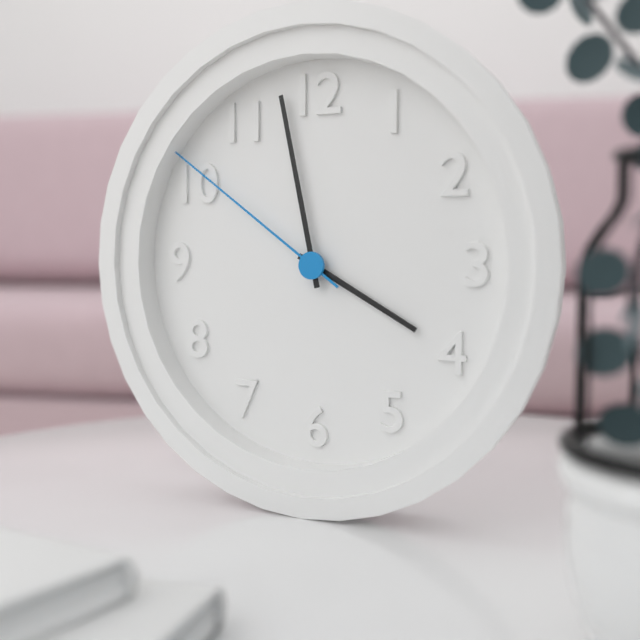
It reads 3 h 58 min 51 s
